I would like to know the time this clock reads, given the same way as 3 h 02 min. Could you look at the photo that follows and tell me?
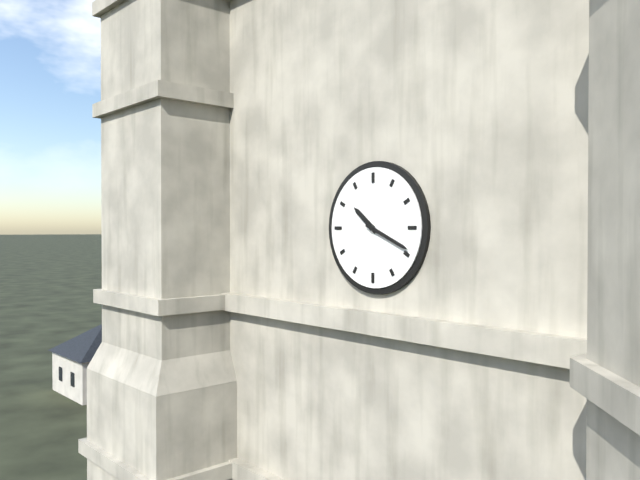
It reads 10 h 19 min
